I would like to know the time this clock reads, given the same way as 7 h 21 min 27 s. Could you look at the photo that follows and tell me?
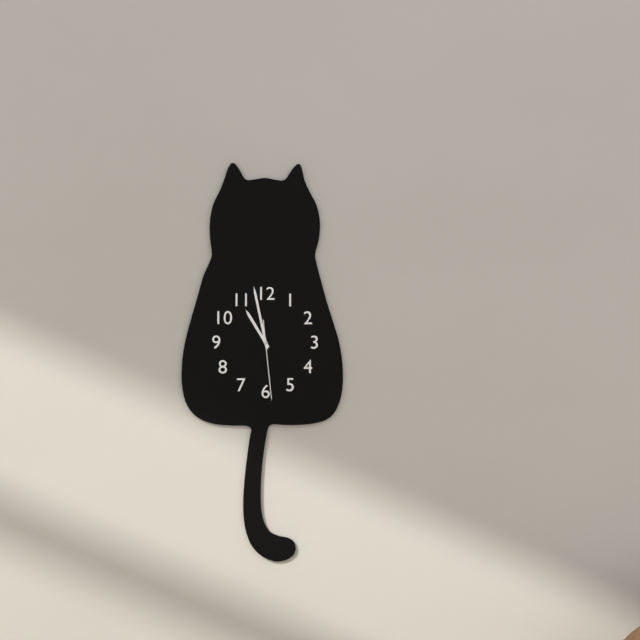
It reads 10 h 58 min 29 s
